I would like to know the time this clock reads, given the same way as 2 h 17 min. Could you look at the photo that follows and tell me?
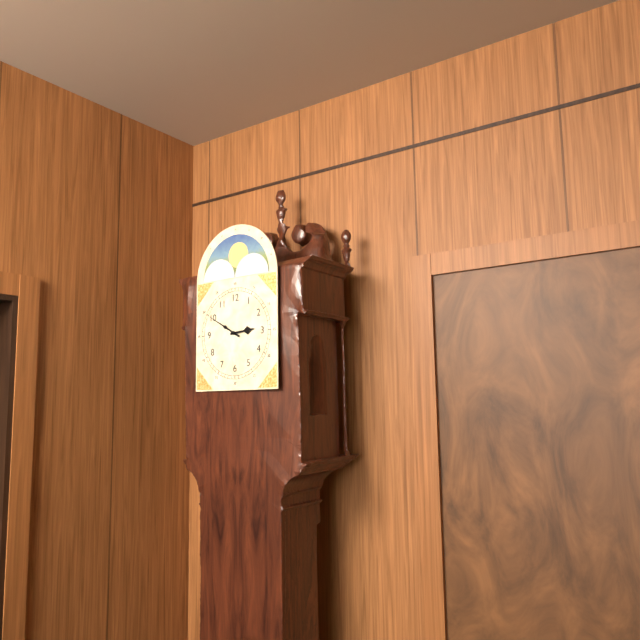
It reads 2 h 50 min
